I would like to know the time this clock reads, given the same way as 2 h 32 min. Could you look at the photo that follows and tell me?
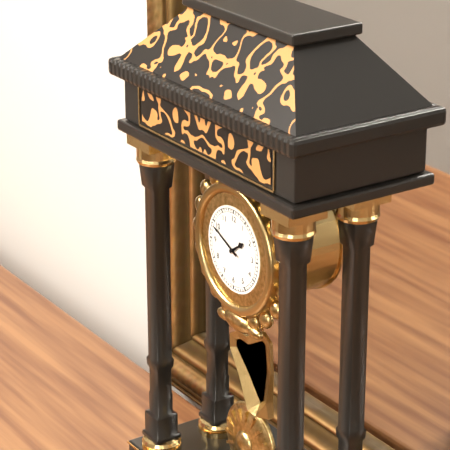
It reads 1 h 49 min
